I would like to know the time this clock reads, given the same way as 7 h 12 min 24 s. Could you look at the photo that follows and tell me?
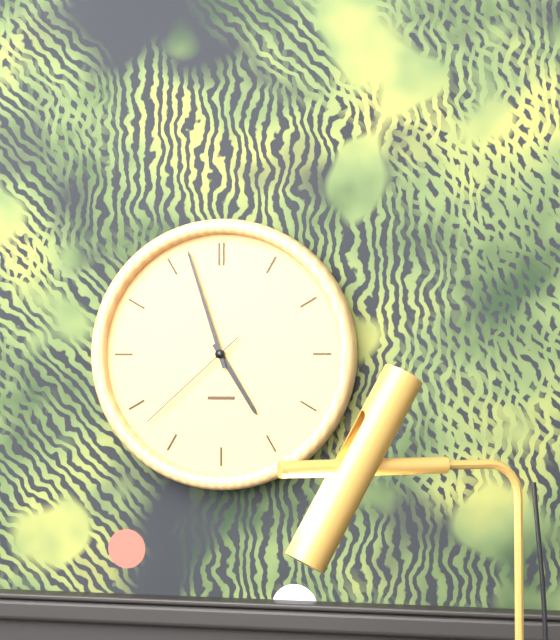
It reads 4 h 57 min 38 s
